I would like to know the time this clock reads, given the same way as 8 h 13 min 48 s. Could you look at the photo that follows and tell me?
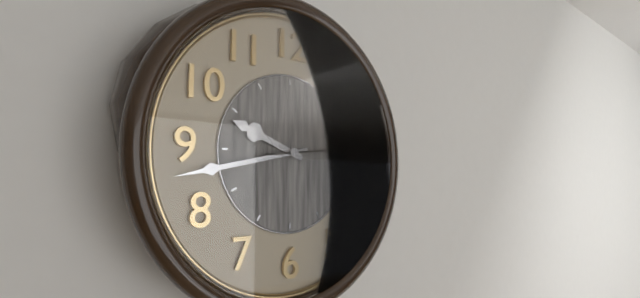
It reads 9 h 43 min 14 s
